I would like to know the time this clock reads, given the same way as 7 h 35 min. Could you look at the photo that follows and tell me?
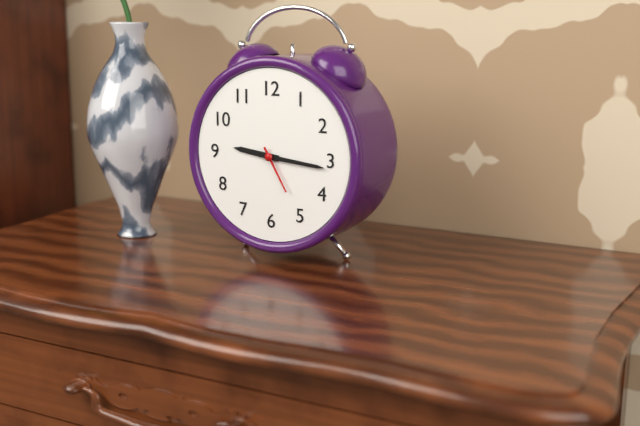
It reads 9 h 16 min
